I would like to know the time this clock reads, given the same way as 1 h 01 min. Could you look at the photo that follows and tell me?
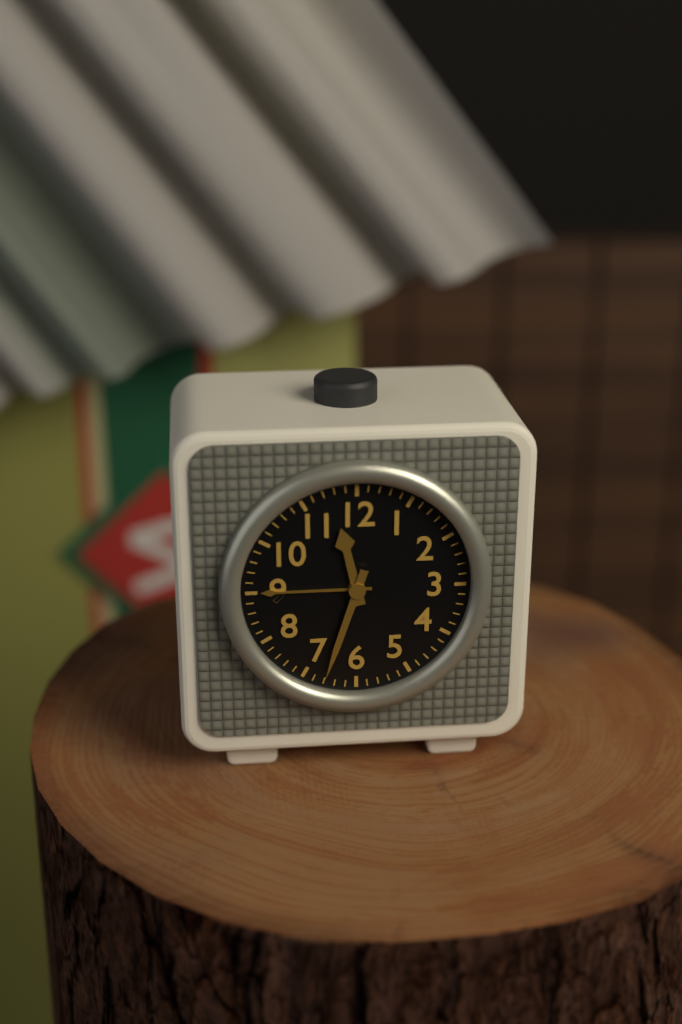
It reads 11 h 33 min
